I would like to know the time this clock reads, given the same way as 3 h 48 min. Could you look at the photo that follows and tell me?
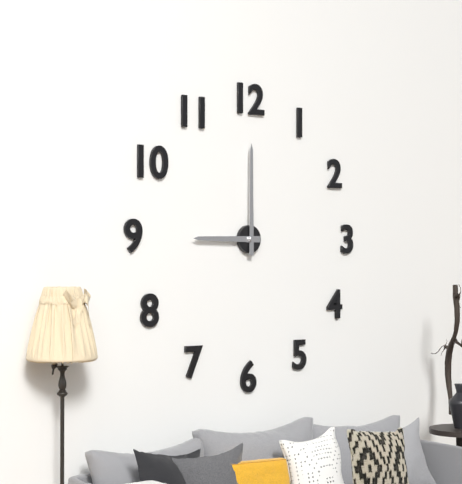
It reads 9 h 00 min
